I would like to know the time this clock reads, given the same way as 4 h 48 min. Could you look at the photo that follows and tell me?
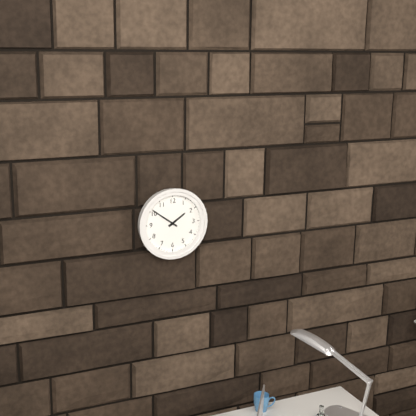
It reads 1 h 51 min
